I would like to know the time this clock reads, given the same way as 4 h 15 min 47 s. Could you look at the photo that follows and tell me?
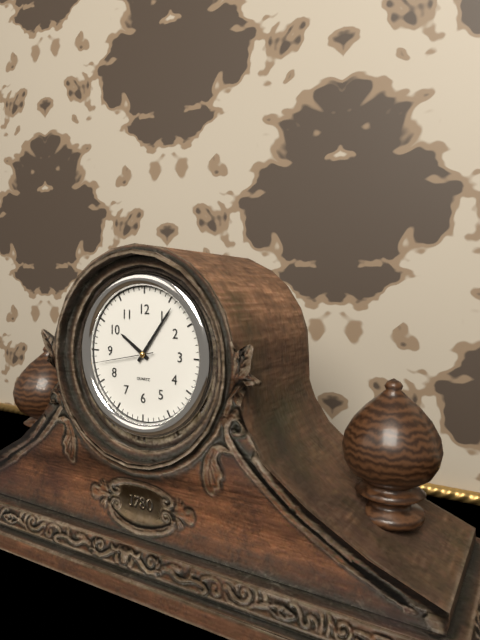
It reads 10 h 06 min 43 s
